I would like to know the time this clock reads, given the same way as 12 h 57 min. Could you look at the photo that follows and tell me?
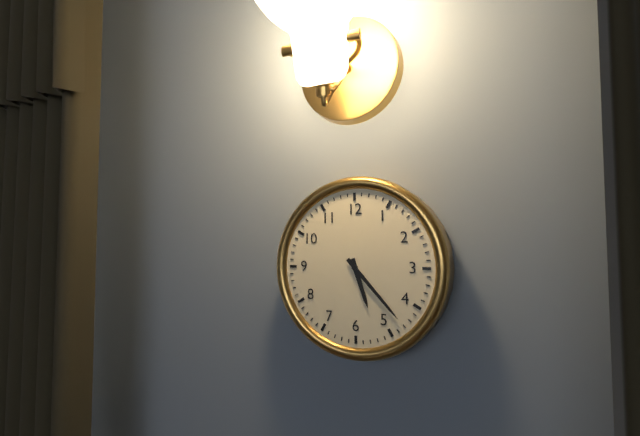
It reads 5 h 23 min
